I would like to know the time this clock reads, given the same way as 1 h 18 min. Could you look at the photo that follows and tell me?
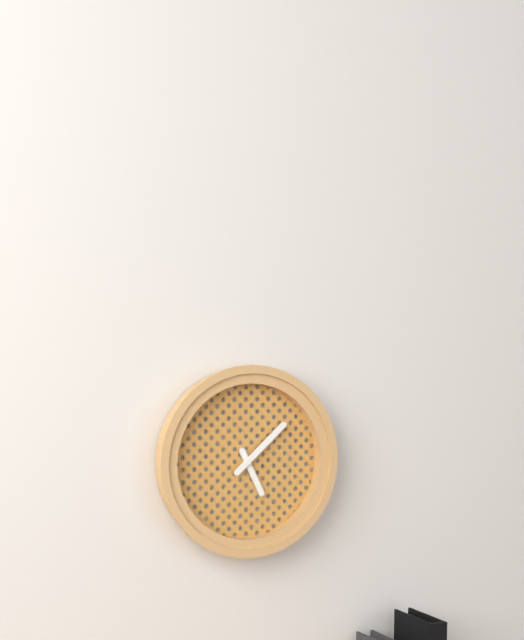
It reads 5 h 08 min
